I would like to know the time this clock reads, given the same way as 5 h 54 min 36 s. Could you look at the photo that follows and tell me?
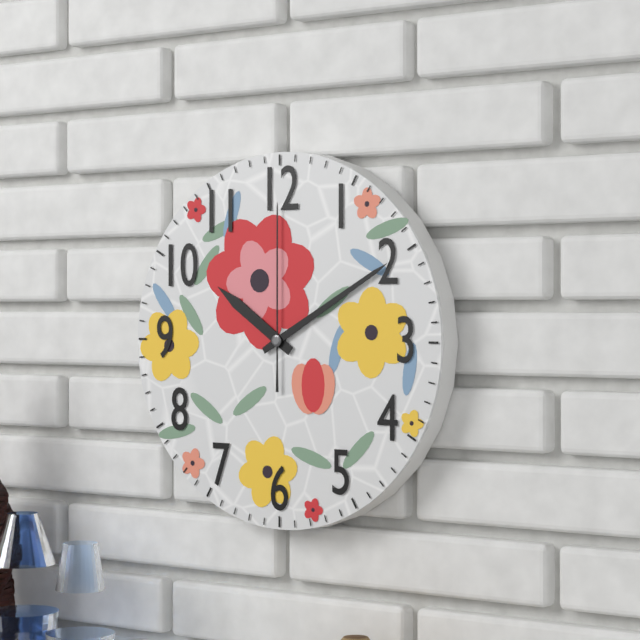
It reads 10 h 10 min 00 s
